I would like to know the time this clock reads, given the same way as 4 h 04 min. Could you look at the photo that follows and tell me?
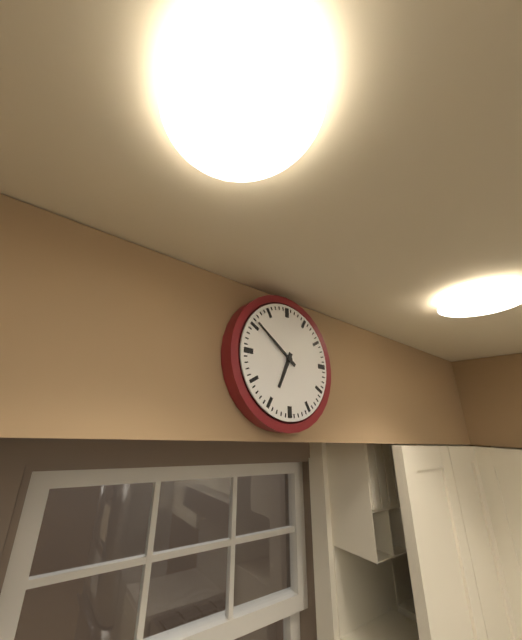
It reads 6 h 51 min
